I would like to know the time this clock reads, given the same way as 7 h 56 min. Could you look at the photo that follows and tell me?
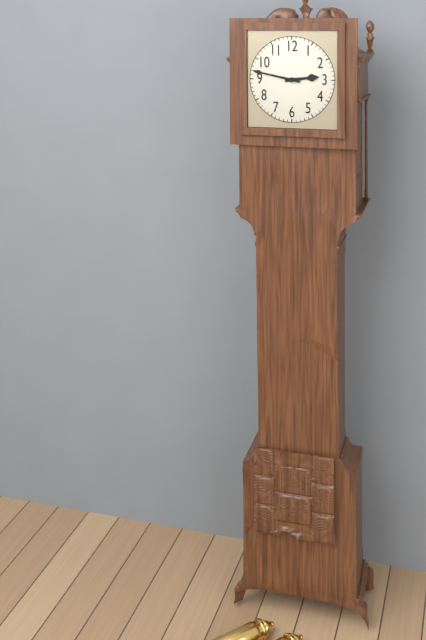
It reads 2 h 47 min
